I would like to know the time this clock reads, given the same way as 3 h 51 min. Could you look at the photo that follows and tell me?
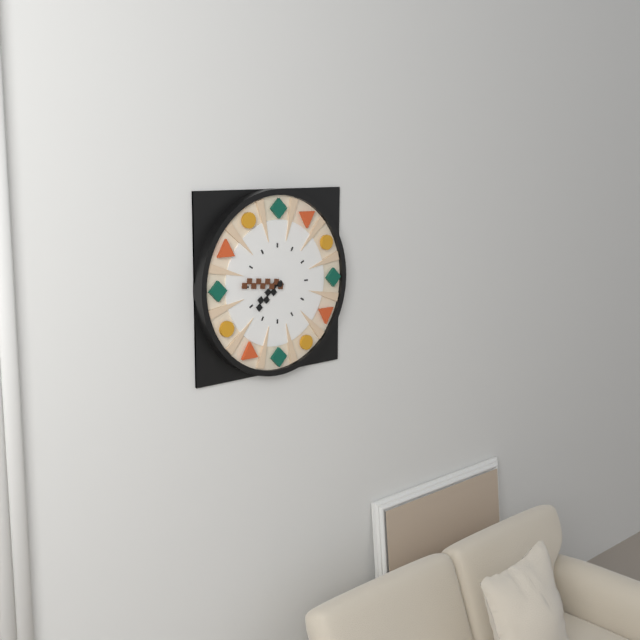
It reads 7 h 46 min
